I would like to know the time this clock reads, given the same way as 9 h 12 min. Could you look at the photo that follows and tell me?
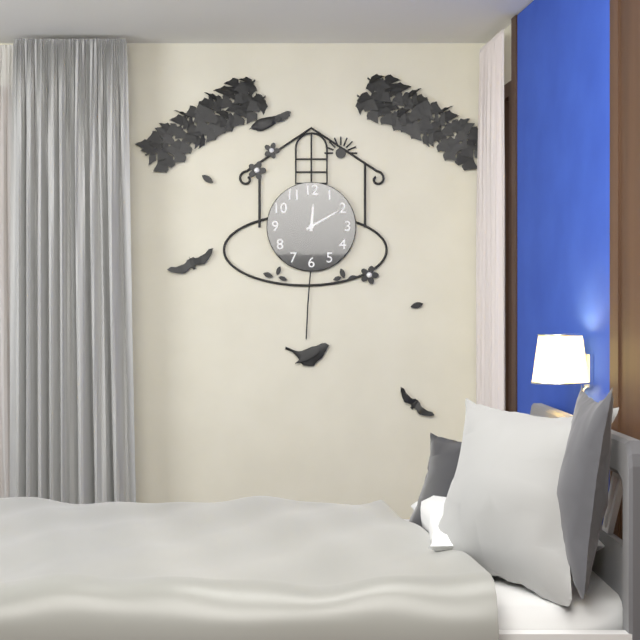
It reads 12 h 10 min
